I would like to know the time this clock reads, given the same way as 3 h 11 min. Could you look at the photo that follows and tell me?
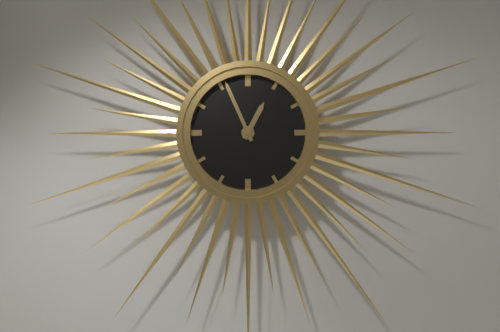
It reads 12 h 56 min
